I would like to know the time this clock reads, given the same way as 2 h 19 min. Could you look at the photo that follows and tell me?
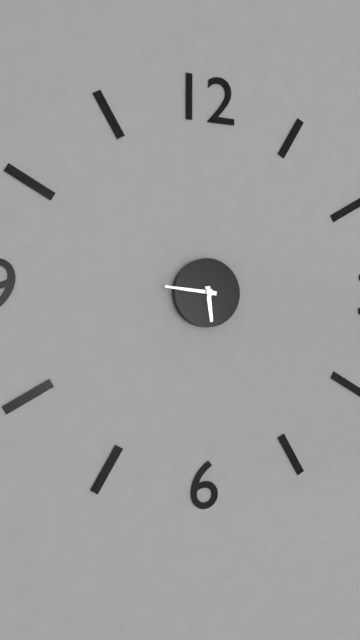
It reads 5 h 46 min
